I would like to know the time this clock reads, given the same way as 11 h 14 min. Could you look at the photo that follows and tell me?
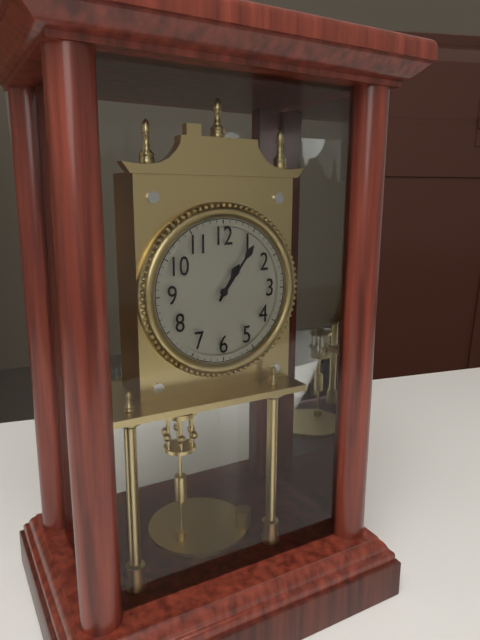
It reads 1 h 06 min
